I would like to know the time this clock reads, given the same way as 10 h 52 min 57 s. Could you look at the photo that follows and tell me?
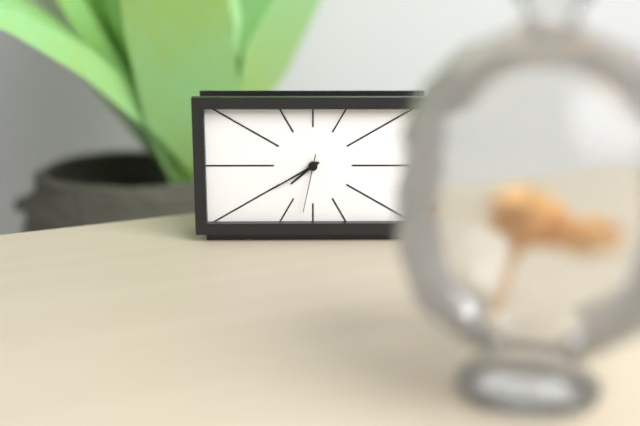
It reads 7 h 40 min 32 s
